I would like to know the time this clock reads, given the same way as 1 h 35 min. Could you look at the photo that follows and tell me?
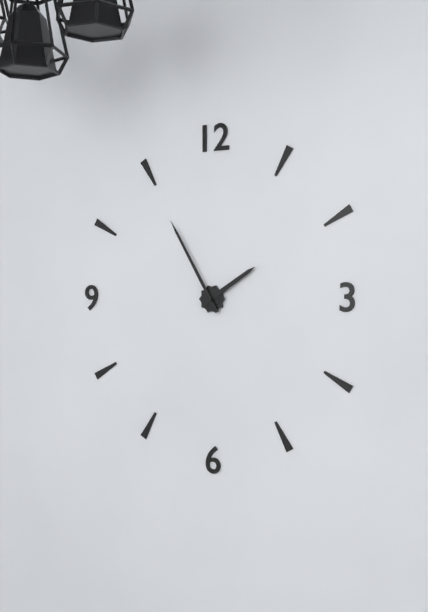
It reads 1 h 55 min
